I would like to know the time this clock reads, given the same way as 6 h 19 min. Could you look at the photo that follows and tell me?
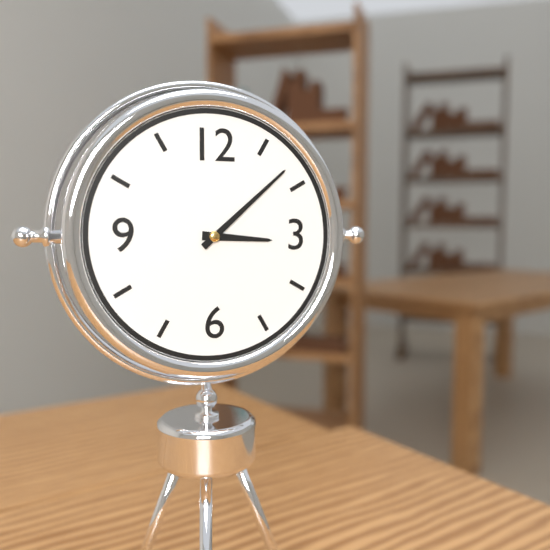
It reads 3 h 08 min
